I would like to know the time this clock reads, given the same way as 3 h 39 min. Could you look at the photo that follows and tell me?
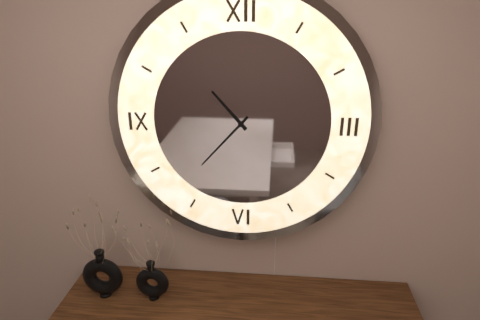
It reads 10 h 37 min
